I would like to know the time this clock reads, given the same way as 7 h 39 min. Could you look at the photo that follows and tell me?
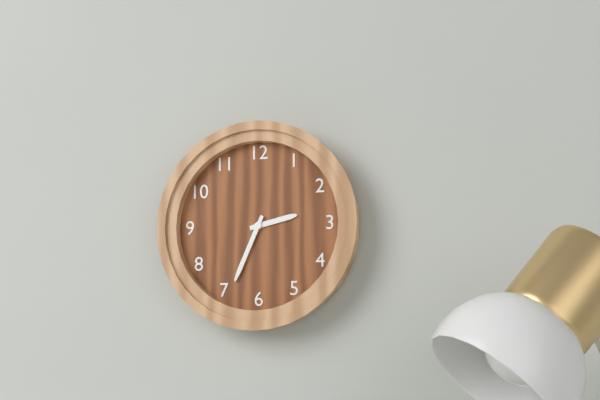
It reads 2 h 34 min
